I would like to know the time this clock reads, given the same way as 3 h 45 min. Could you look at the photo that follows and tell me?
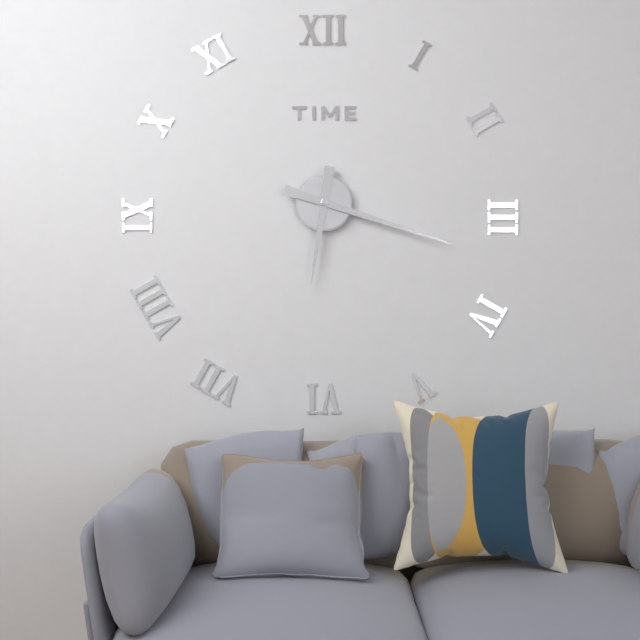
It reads 6 h 18 min
